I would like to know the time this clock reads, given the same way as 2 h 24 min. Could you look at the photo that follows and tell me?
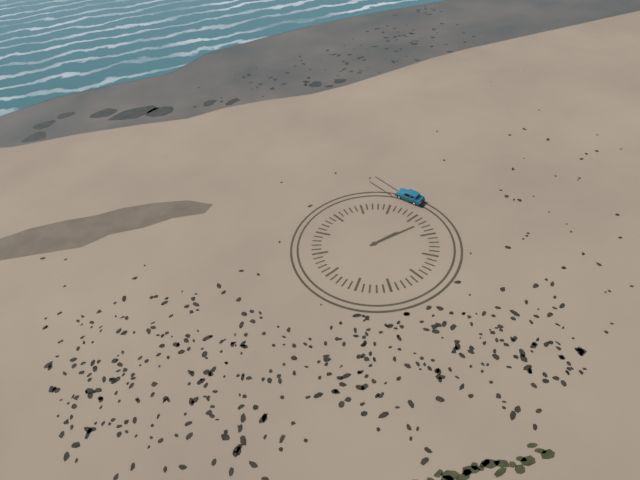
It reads 3 h 17 min
